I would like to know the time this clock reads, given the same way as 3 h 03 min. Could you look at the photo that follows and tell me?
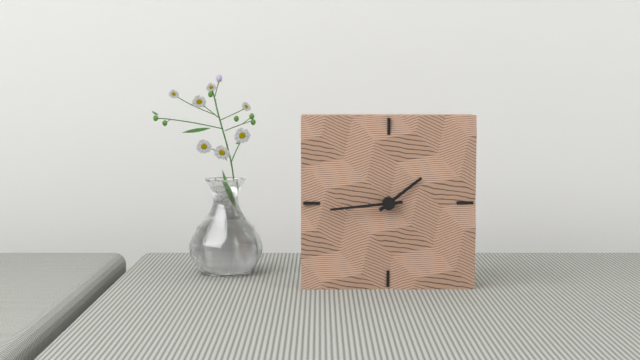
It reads 1 h 44 min
